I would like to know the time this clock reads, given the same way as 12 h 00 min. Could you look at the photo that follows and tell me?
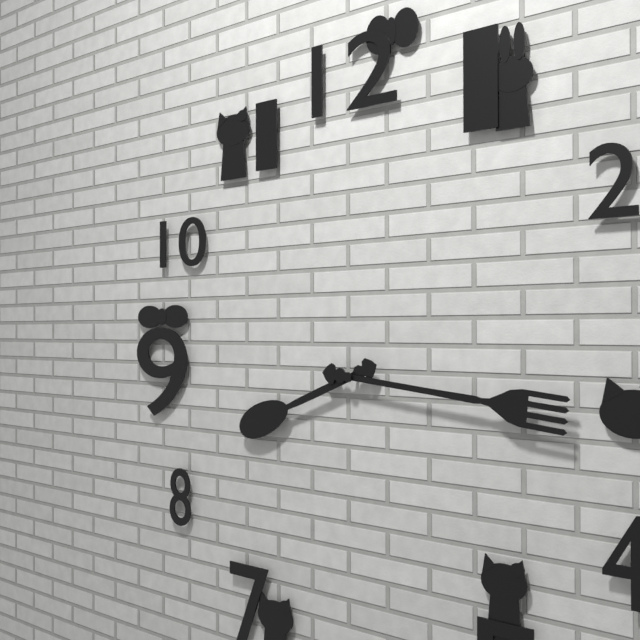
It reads 8 h 16 min
